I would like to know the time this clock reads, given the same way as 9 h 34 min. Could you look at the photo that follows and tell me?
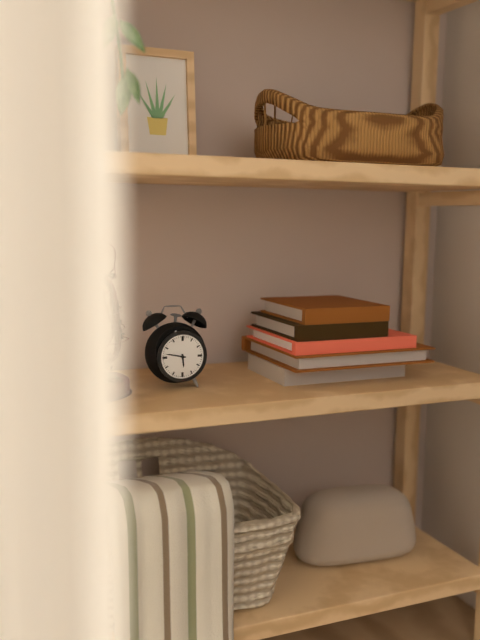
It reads 5 h 47 min
